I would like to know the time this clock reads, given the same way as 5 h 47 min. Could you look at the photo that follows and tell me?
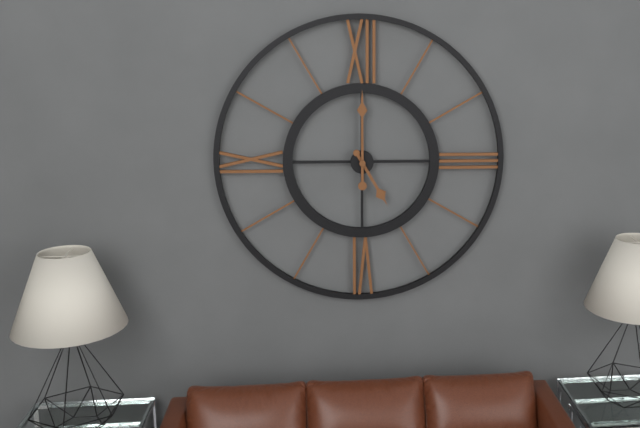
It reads 5 h 00 min
